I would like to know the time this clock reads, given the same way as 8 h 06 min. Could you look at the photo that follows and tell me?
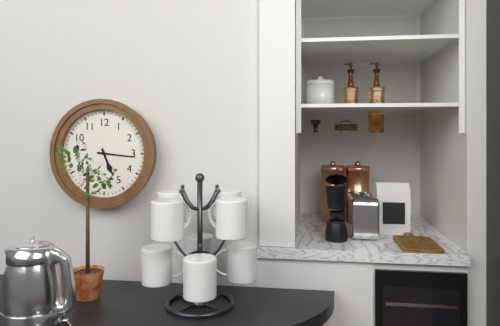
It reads 5 h 16 min
